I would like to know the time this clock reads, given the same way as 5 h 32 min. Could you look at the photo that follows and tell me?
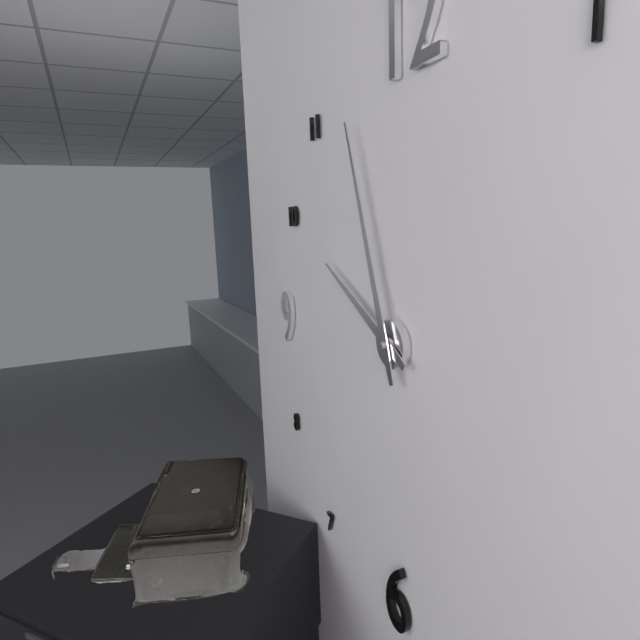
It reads 9 h 57 min
